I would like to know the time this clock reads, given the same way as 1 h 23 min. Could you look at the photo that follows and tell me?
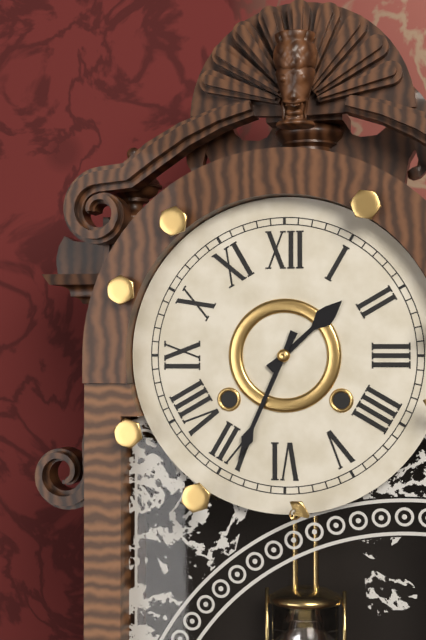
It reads 1 h 34 min
